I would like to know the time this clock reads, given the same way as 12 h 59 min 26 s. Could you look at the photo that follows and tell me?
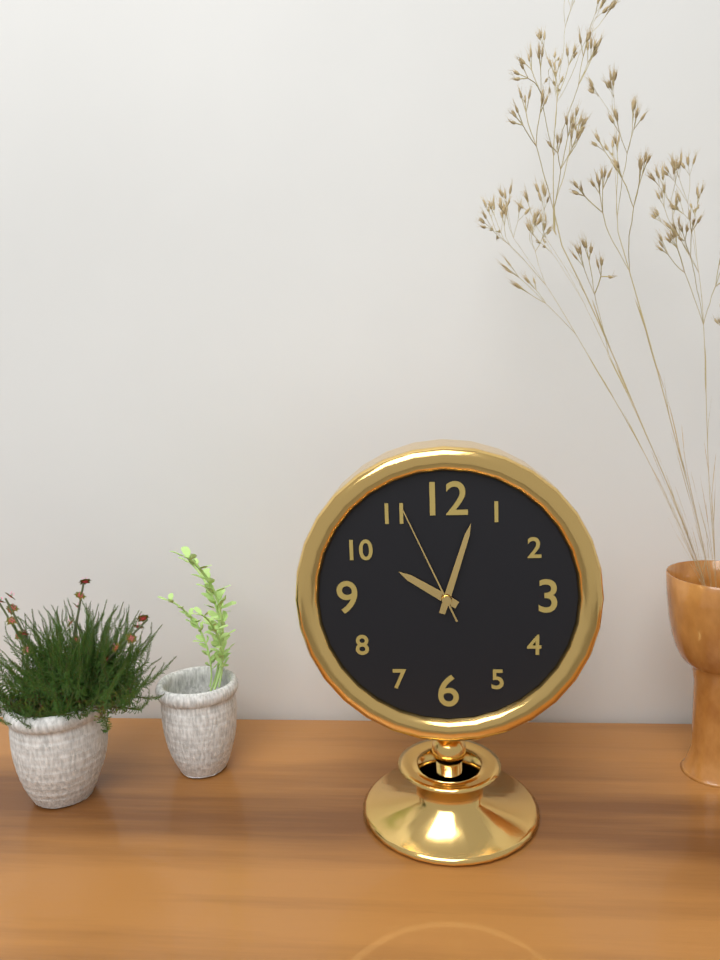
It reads 10 h 03 min 56 s
